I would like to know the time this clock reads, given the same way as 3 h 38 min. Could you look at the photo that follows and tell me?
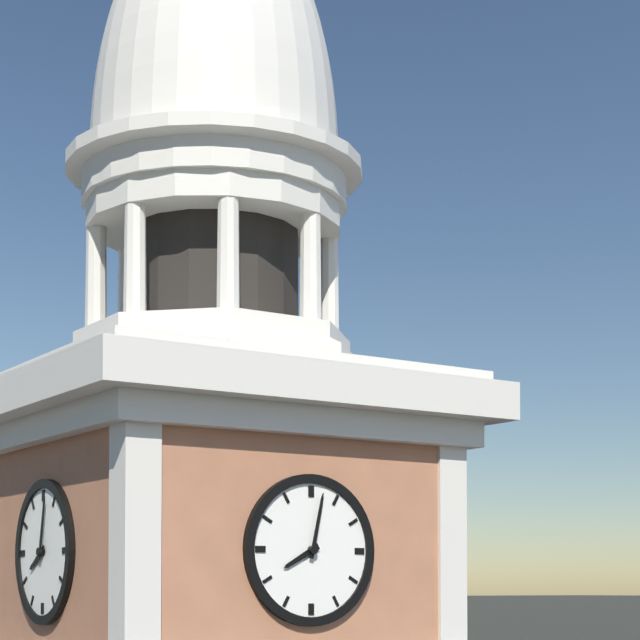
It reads 8 h 02 min
